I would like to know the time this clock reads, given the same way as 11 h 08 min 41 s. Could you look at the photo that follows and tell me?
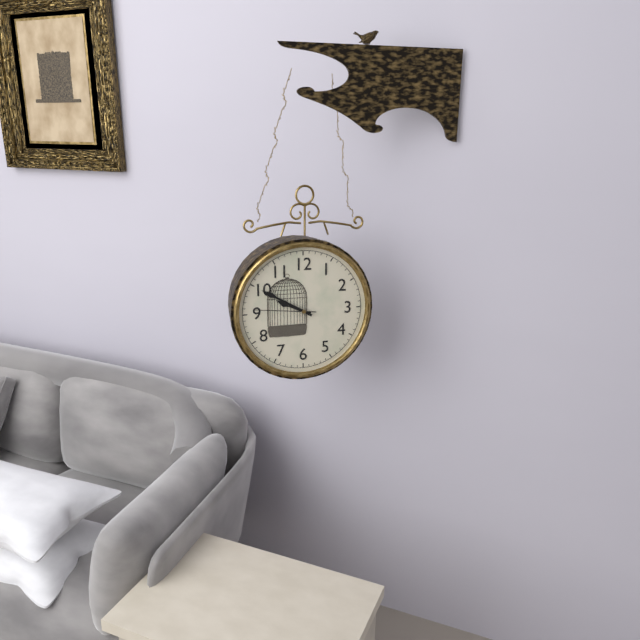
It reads 9 h 50 min 46 s
